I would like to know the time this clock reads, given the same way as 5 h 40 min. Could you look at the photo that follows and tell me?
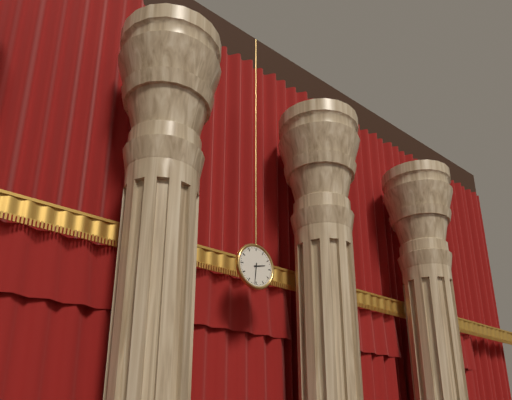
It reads 2 h 31 min
